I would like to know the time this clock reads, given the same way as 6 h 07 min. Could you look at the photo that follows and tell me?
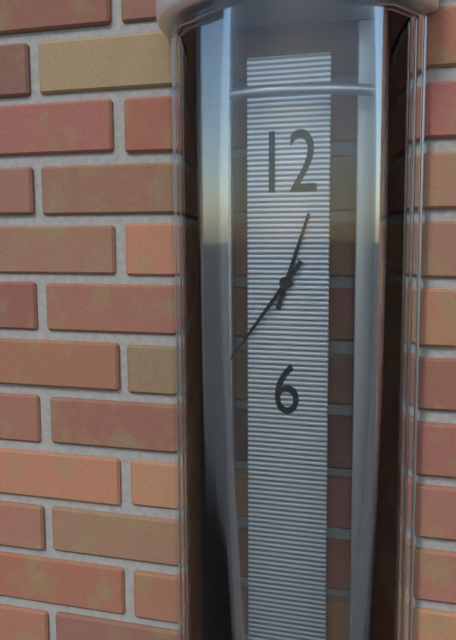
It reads 12 h 36 min
